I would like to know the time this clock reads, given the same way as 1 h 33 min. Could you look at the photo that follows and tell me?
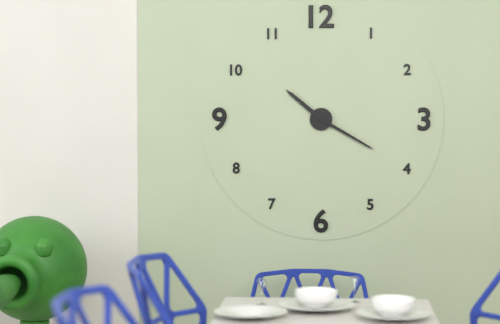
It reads 10 h 20 min
